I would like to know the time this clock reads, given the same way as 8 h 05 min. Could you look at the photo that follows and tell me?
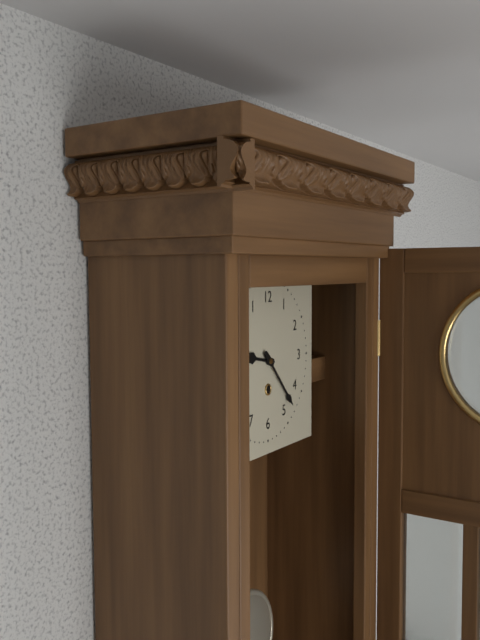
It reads 9 h 23 min
